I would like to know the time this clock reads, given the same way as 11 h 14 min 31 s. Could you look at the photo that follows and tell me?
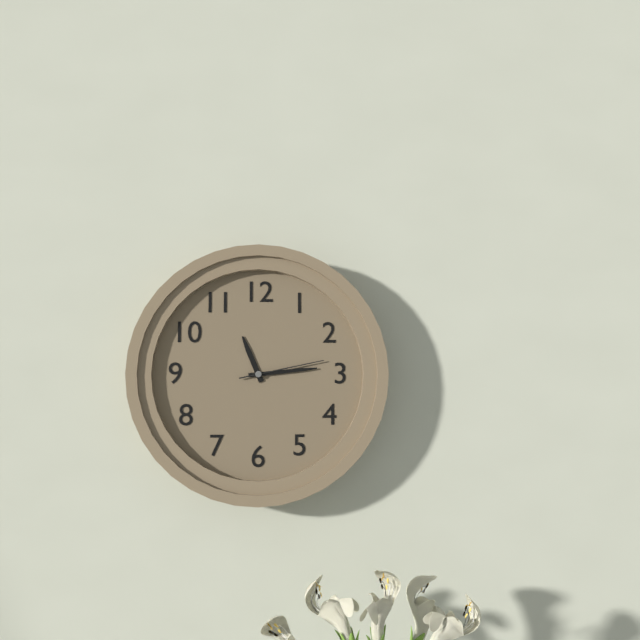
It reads 11 h 14 min 13 s
